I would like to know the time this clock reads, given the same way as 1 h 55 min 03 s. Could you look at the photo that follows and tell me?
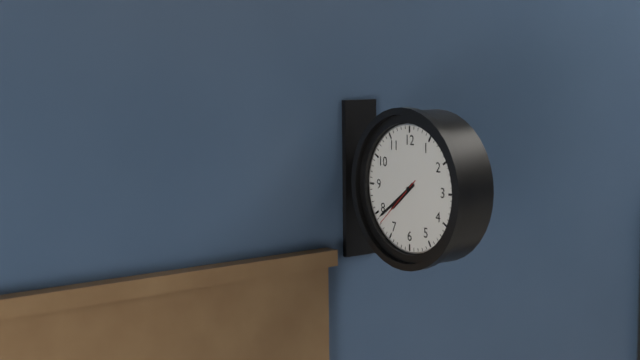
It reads 7 h 39 min 38 s
